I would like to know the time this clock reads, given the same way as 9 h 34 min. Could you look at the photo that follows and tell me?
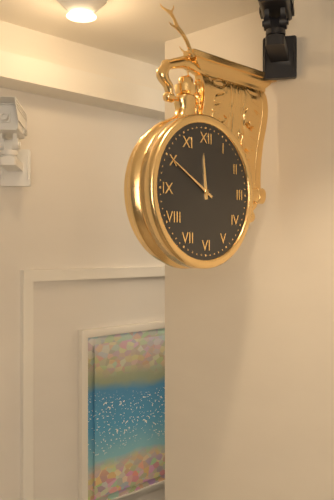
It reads 11 h 50 min
